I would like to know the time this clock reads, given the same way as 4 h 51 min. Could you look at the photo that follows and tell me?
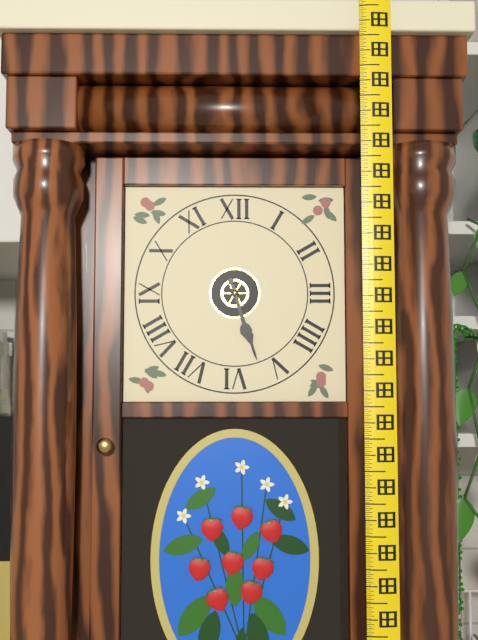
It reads 5 h 27 min
